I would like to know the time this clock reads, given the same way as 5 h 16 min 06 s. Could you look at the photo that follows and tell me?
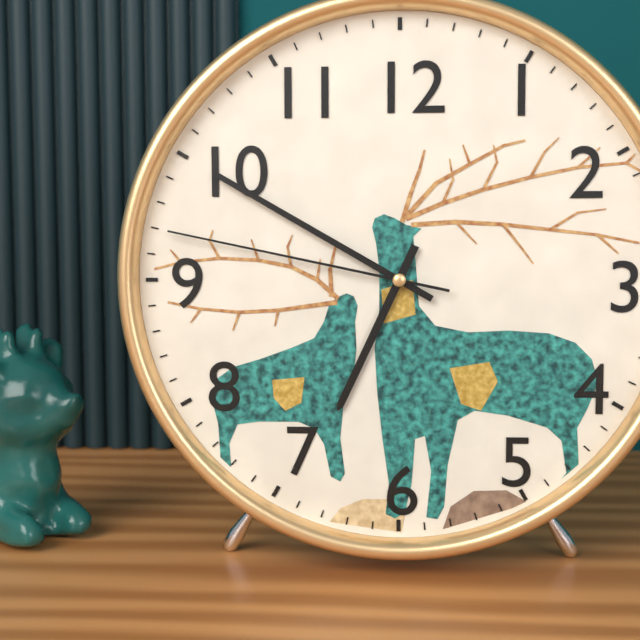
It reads 6 h 50 min 47 s
